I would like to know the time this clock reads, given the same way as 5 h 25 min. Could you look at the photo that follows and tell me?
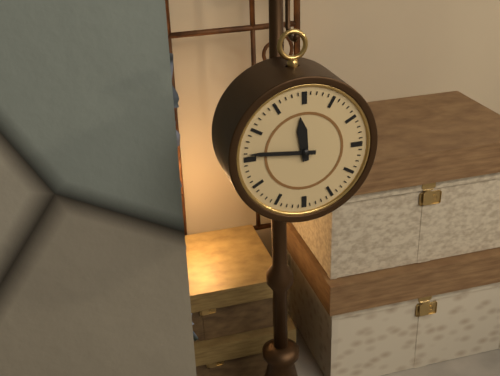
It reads 11 h 46 min
